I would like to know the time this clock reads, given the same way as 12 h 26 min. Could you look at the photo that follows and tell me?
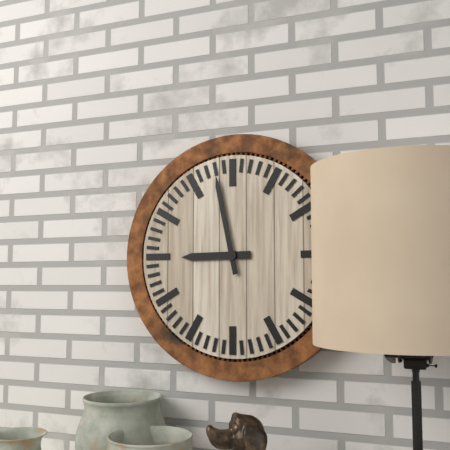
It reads 8 h 58 min
